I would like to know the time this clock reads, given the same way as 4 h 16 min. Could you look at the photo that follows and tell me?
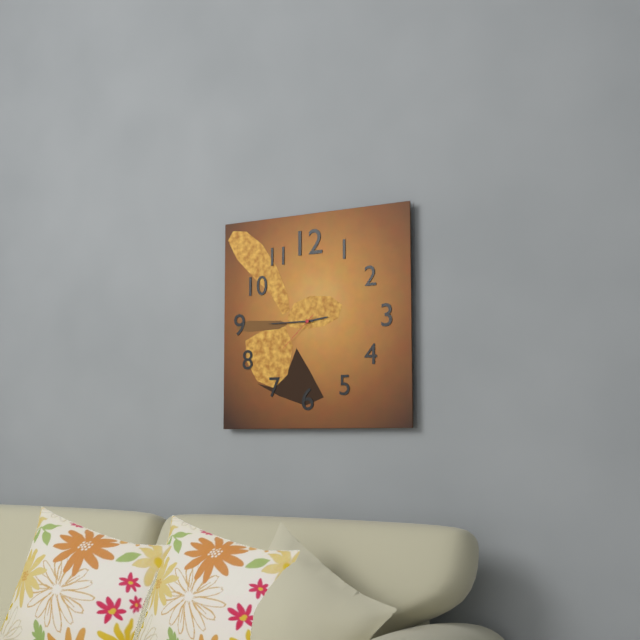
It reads 2 h 45 min
